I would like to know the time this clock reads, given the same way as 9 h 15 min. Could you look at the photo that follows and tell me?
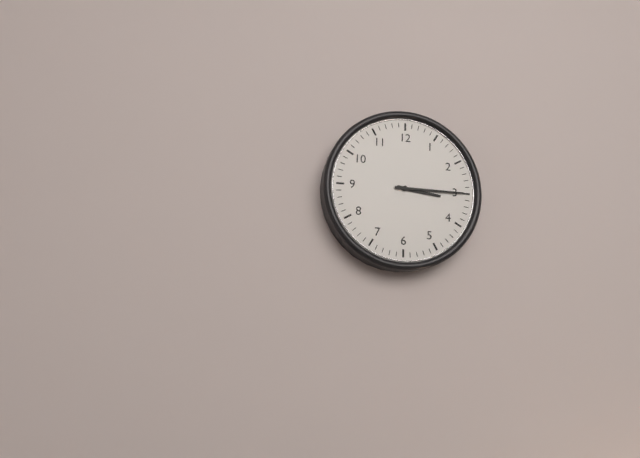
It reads 3 h 15 min
